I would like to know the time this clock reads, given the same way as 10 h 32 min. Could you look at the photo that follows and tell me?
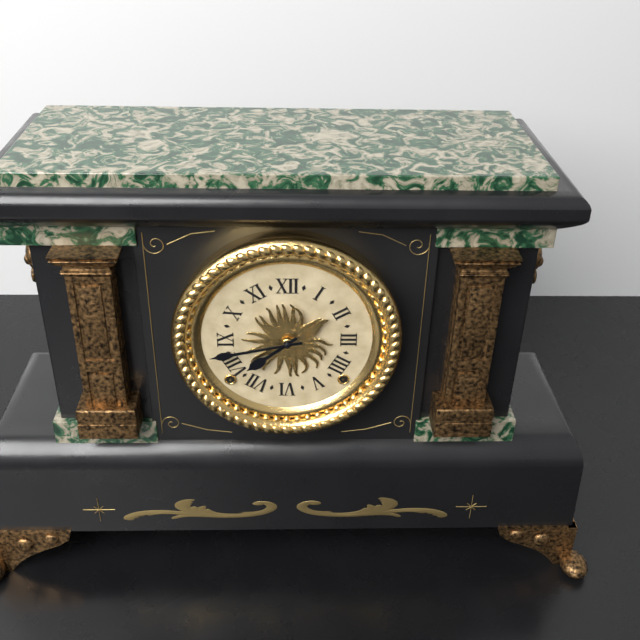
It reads 7 h 43 min
